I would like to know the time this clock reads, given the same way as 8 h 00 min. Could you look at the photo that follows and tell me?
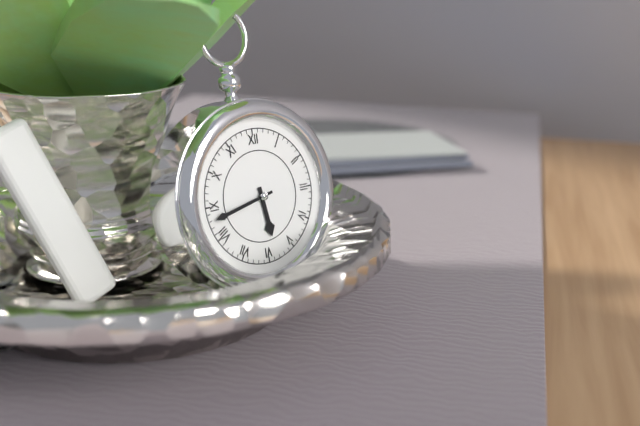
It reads 5 h 43 min
